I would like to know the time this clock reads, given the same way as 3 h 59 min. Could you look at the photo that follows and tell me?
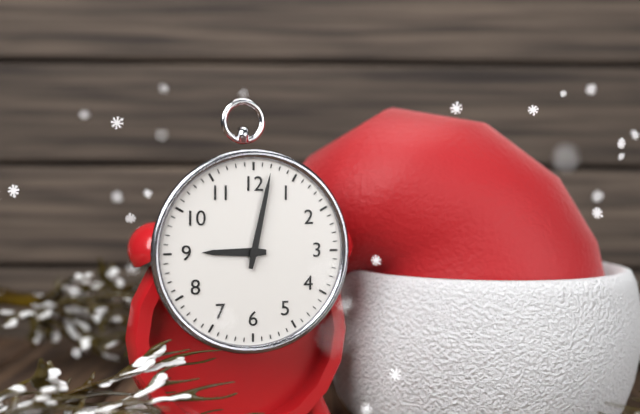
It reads 9 h 02 min
